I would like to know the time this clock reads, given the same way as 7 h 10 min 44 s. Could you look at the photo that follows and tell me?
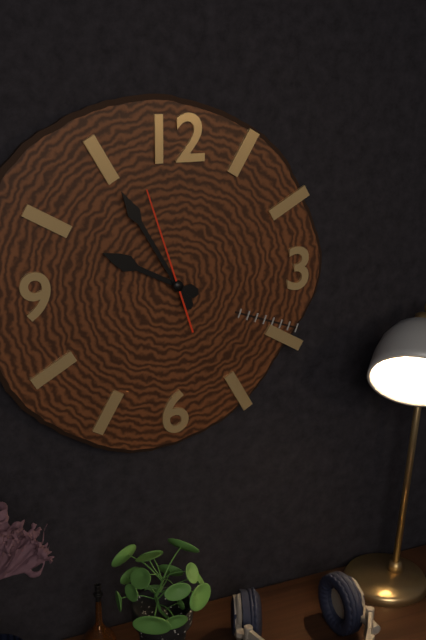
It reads 9 h 55 min 57 s
